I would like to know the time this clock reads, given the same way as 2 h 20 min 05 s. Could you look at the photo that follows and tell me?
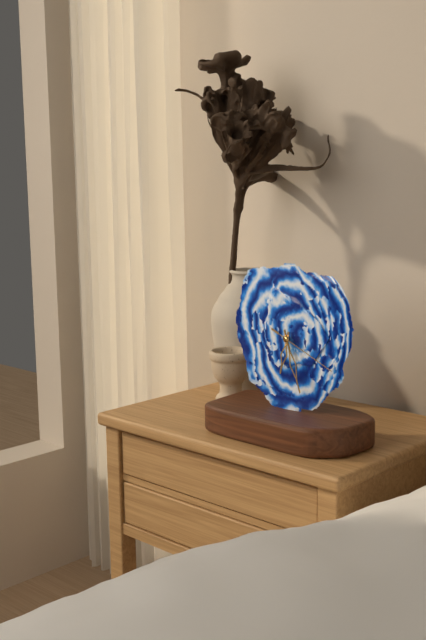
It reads 6 h 27 min 19 s
